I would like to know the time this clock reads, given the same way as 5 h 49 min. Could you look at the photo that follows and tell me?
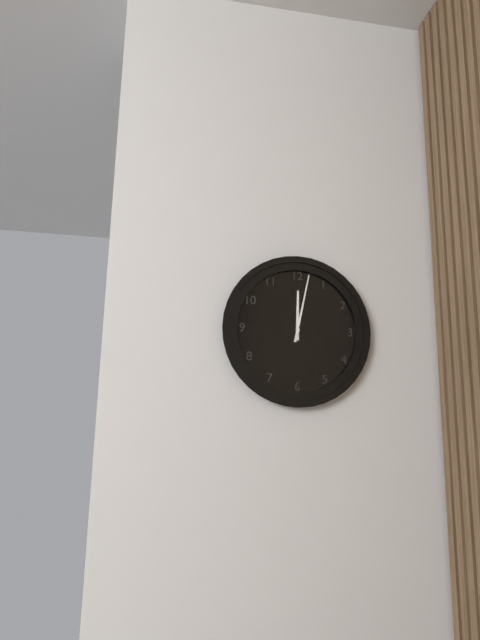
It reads 12 h 02 min
